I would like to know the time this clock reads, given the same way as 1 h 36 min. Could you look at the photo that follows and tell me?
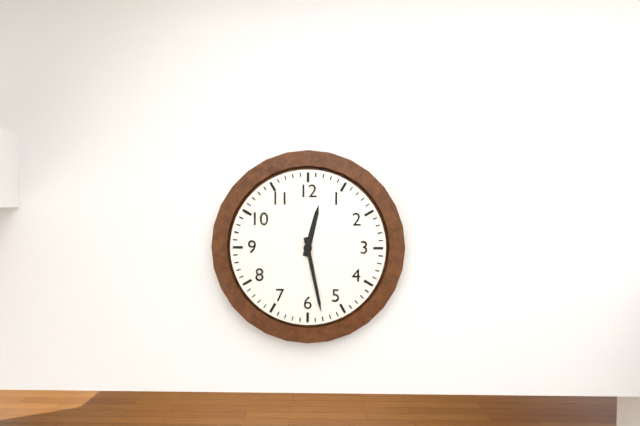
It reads 12 h 28 min
